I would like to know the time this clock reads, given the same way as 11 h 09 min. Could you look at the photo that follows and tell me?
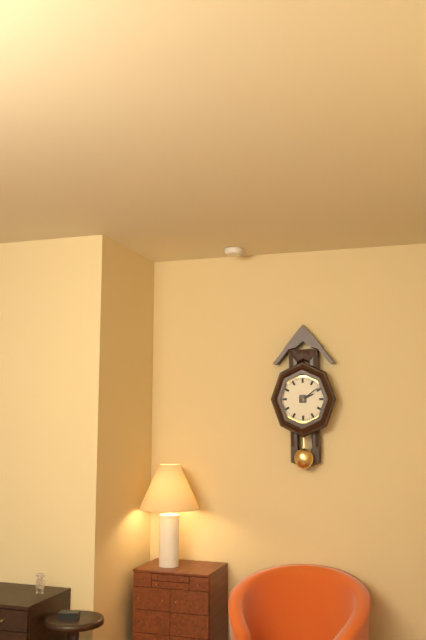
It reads 2 h 09 min
